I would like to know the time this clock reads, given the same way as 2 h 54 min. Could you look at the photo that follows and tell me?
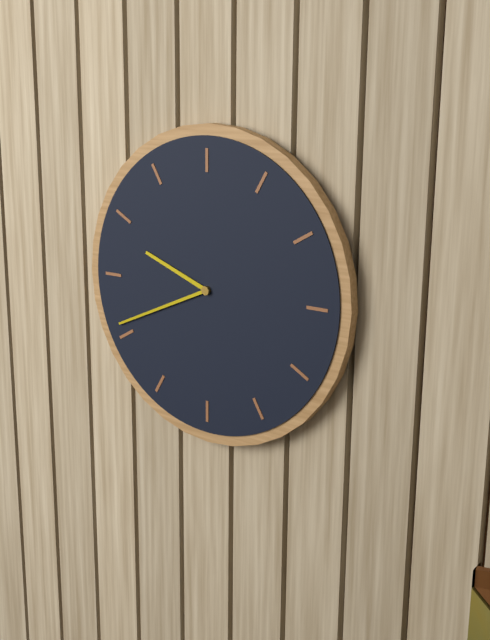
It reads 9 h 41 min
